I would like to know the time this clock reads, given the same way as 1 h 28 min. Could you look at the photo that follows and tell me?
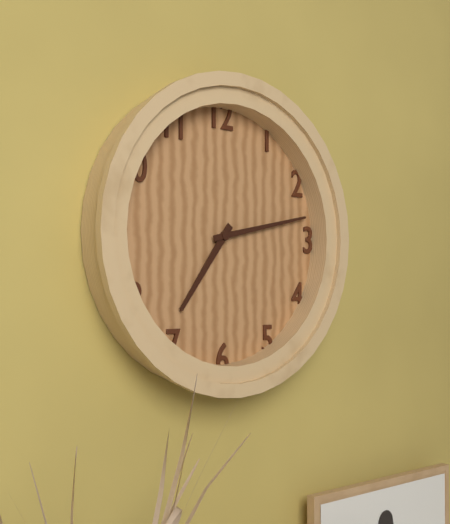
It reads 7 h 13 min
